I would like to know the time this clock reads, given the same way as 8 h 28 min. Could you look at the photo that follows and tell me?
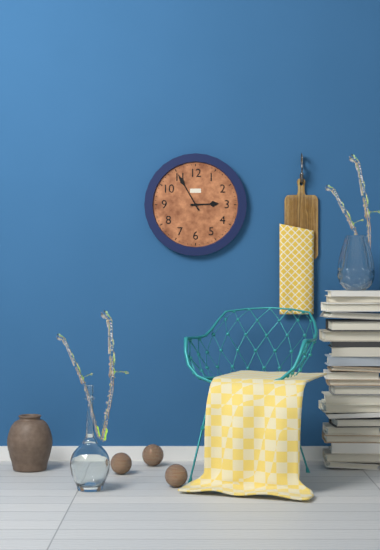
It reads 2 h 55 min
